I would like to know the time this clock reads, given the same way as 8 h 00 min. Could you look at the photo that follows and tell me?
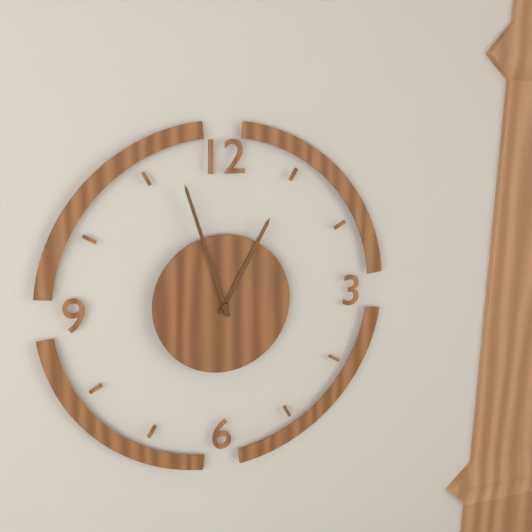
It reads 12 h 57 min
